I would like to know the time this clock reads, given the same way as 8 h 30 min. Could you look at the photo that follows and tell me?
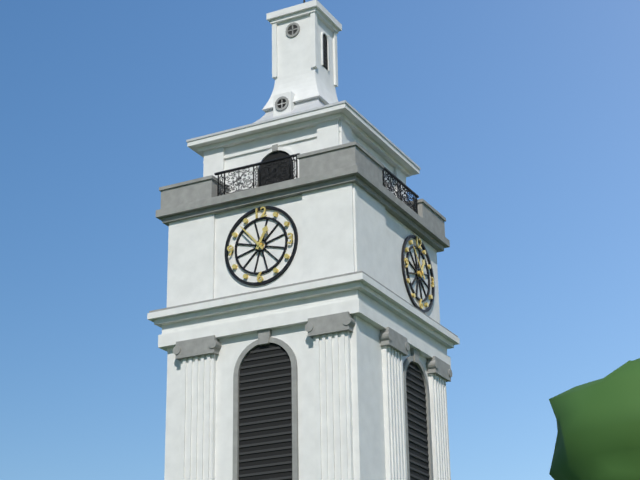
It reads 12 h 53 min
